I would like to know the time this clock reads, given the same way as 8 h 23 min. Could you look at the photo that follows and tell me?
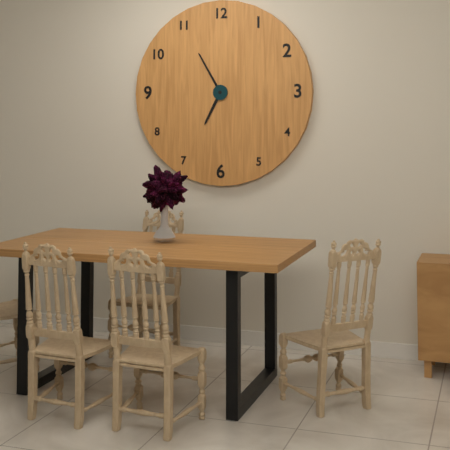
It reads 6 h 55 min
